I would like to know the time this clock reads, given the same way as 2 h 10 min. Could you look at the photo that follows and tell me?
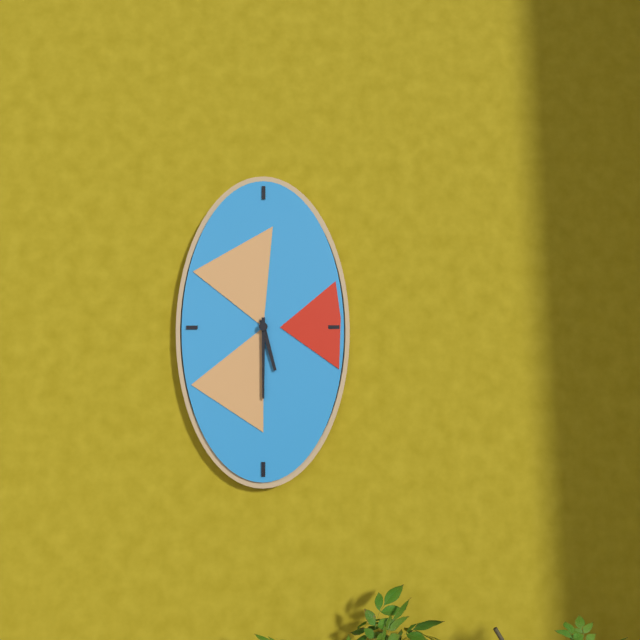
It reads 5 h 30 min
